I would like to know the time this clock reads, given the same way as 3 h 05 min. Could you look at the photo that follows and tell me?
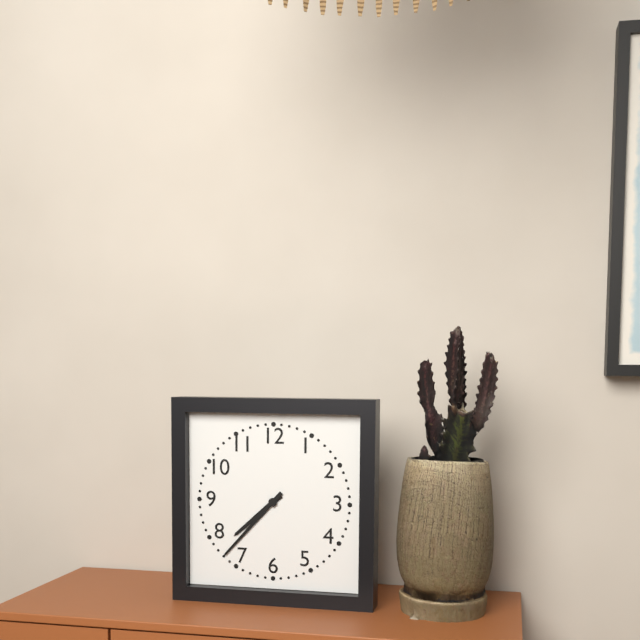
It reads 7 h 37 min
